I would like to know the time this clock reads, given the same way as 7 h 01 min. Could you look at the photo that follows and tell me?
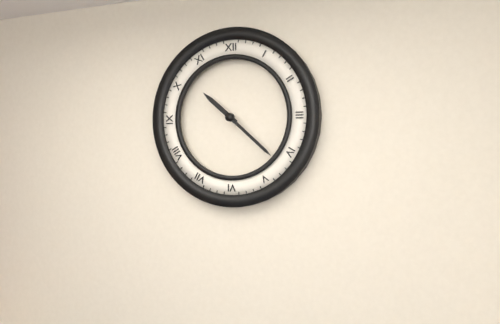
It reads 10 h 22 min
